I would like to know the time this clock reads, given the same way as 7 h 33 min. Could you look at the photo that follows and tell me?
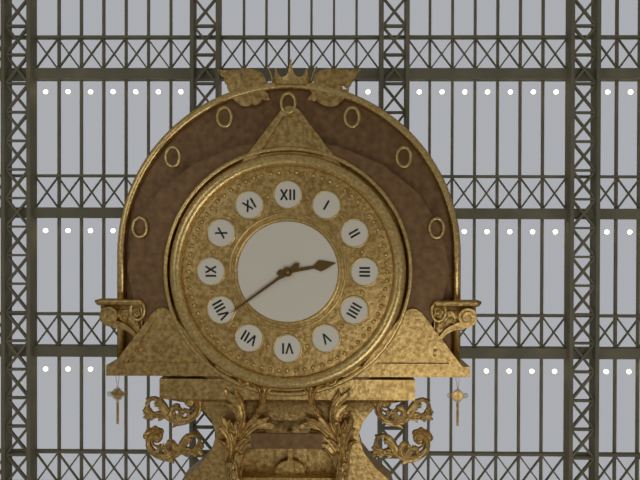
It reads 2 h 39 min
